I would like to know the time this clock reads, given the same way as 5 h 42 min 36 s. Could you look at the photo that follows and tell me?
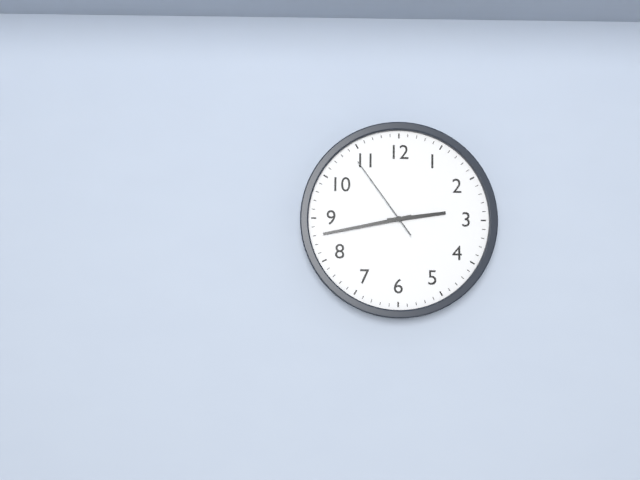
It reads 2 h 43 min 54 s
